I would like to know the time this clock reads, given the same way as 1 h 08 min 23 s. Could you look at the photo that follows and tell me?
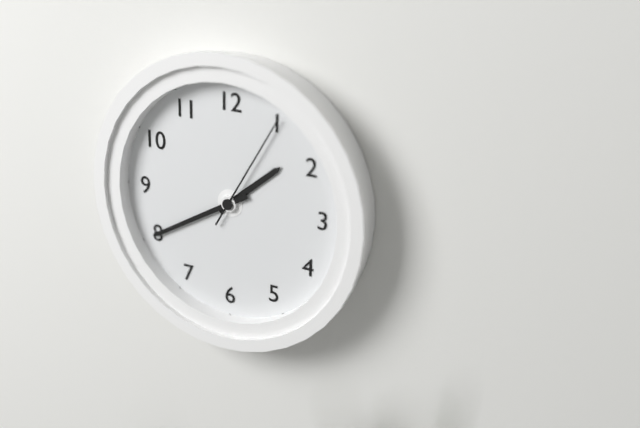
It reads 1 h 40 min 05 s
